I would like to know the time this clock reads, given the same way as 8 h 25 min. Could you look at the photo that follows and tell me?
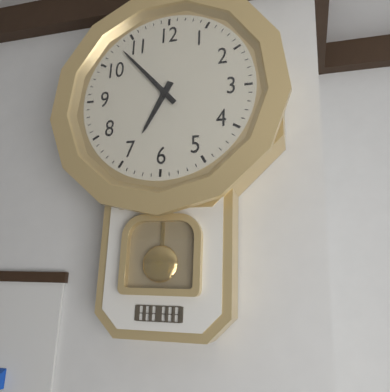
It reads 6 h 53 min
